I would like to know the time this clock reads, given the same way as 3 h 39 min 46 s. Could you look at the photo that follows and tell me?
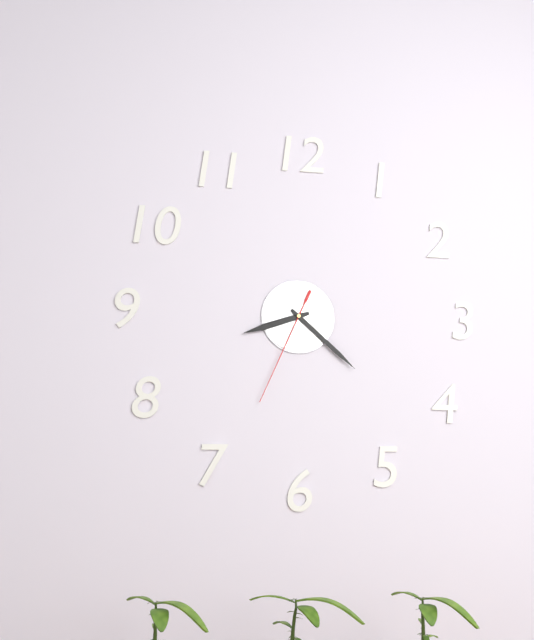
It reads 8 h 22 min 34 s
